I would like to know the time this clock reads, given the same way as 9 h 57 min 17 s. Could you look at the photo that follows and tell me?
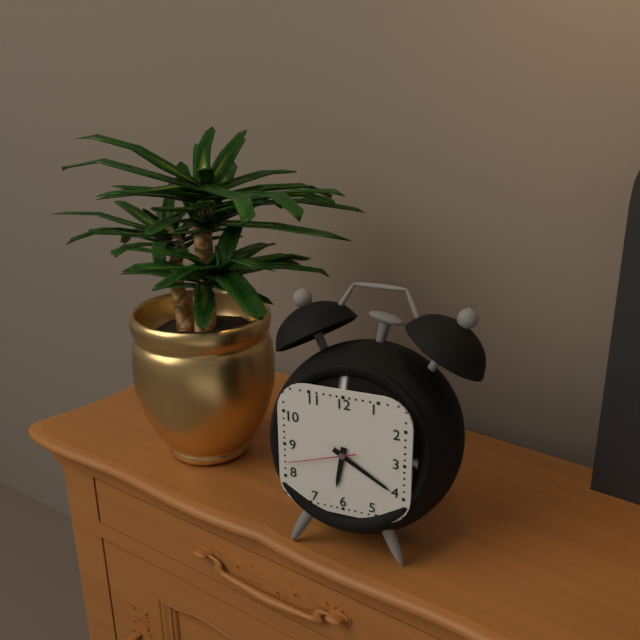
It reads 6 h 20 min 42 s
